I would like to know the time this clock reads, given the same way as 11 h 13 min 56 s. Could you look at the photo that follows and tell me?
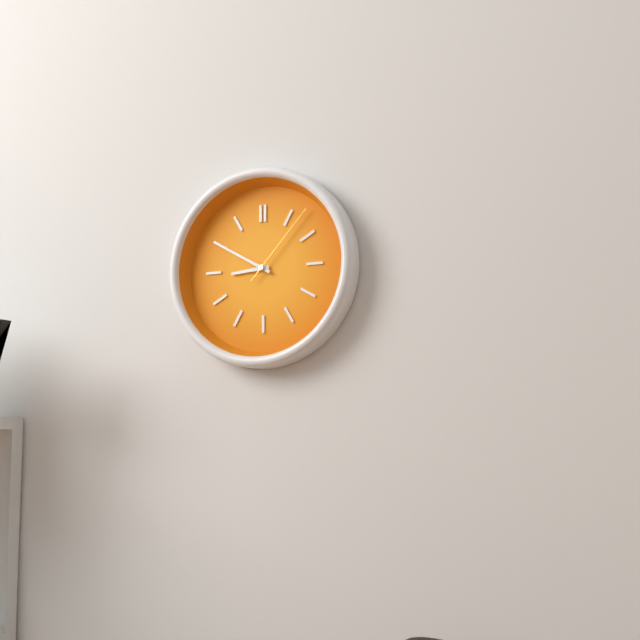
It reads 8 h 50 min 07 s
